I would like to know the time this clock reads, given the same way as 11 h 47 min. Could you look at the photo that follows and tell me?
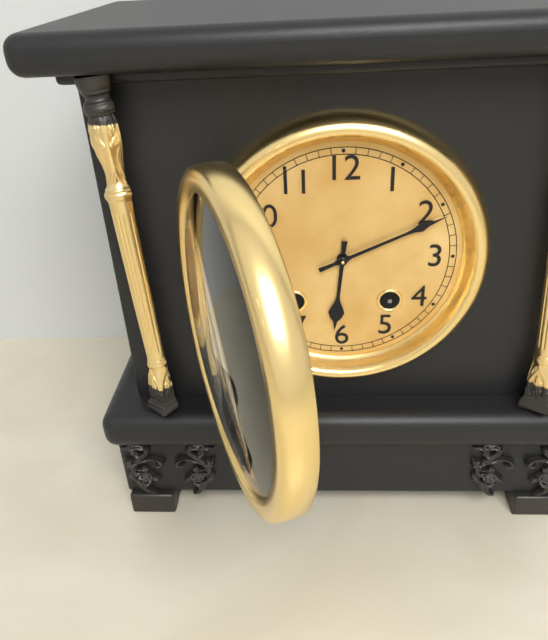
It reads 6 h 11 min
